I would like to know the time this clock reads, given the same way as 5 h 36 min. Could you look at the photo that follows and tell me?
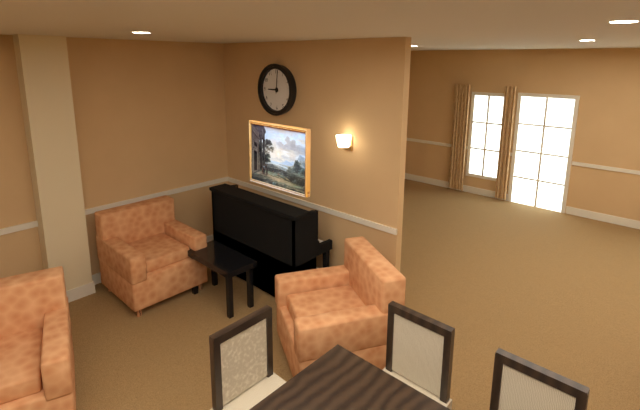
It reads 9 h 01 min
